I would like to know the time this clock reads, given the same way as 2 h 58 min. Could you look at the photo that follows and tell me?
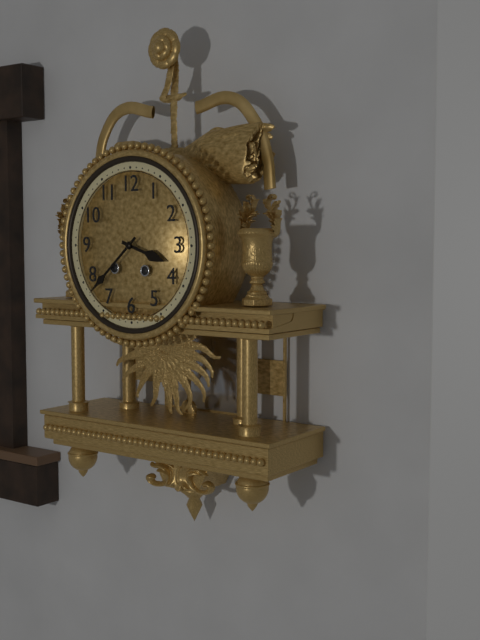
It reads 3 h 38 min
